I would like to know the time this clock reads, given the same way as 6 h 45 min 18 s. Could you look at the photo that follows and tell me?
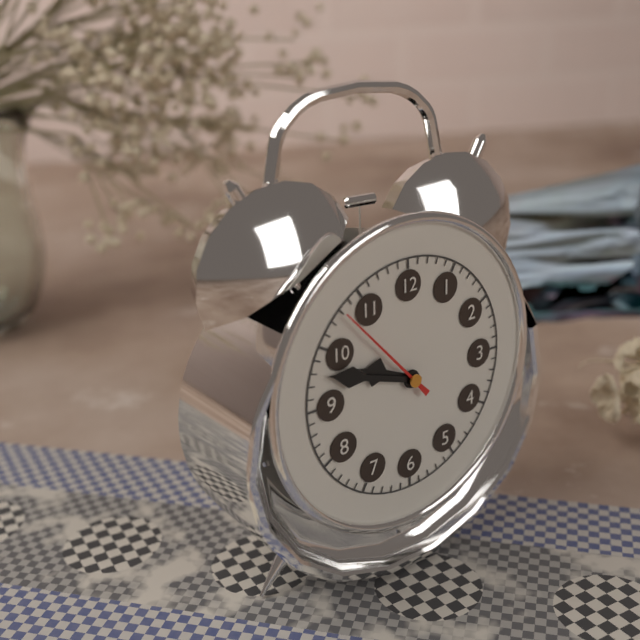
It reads 9 h 48 min 53 s
